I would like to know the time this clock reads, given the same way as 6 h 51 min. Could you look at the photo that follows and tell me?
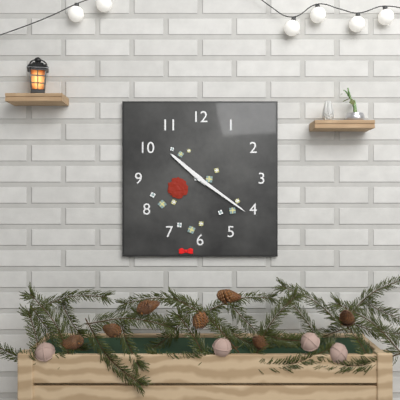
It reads 10 h 21 min
